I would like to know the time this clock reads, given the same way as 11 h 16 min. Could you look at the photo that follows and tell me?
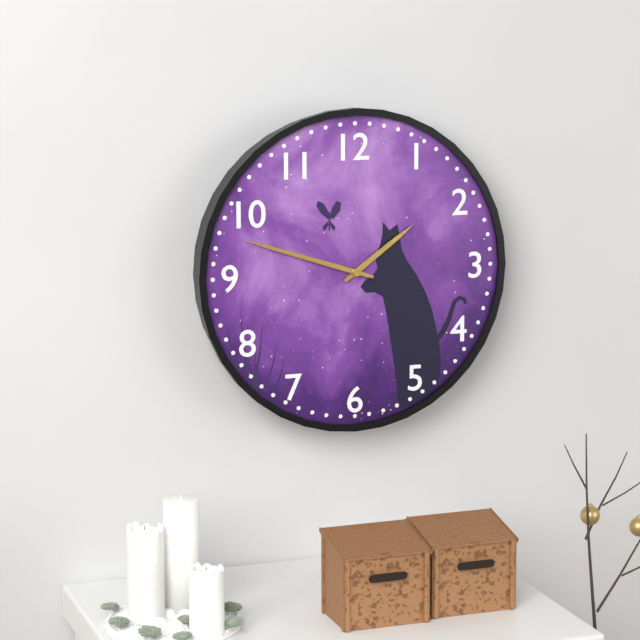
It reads 1 h 48 min
